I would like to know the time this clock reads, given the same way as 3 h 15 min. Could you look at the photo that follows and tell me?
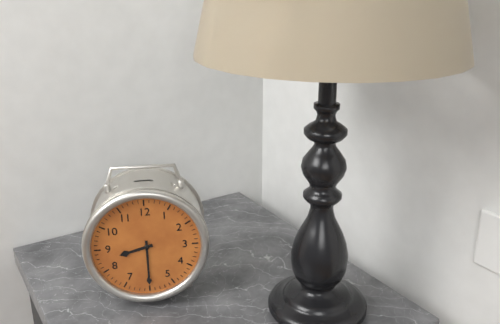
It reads 8 h 30 min
